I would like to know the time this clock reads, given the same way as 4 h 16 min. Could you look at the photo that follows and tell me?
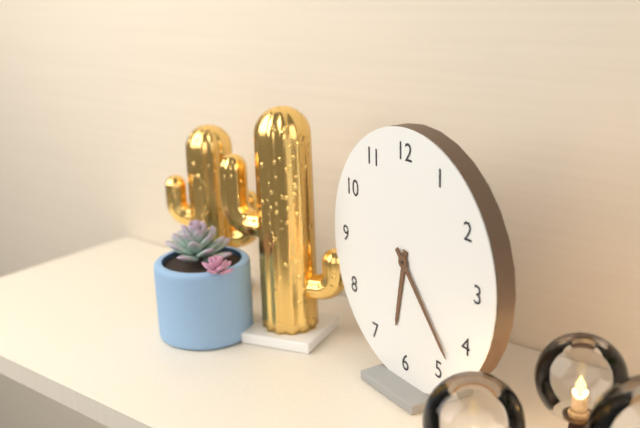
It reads 6 h 23 min
